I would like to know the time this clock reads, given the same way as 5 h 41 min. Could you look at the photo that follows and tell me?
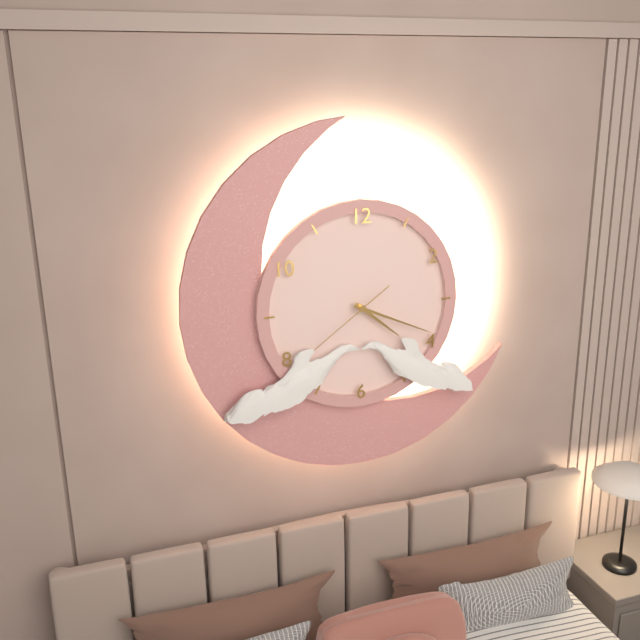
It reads 4 h 19 min
